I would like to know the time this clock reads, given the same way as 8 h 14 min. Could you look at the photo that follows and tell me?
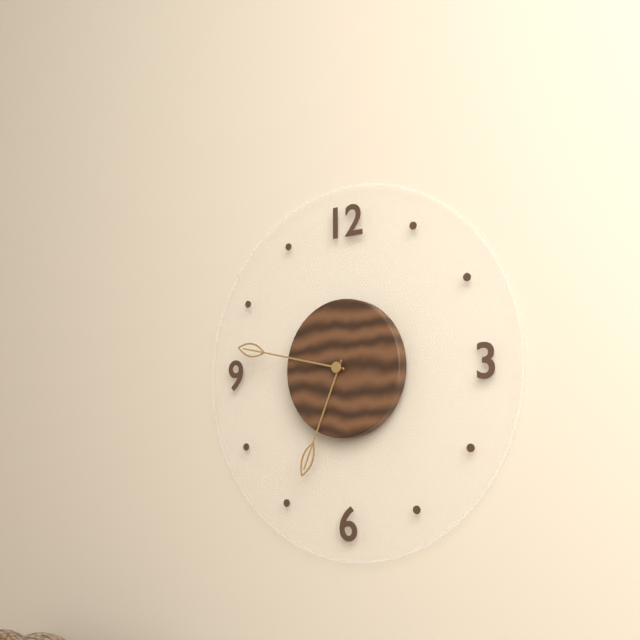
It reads 6 h 47 min
